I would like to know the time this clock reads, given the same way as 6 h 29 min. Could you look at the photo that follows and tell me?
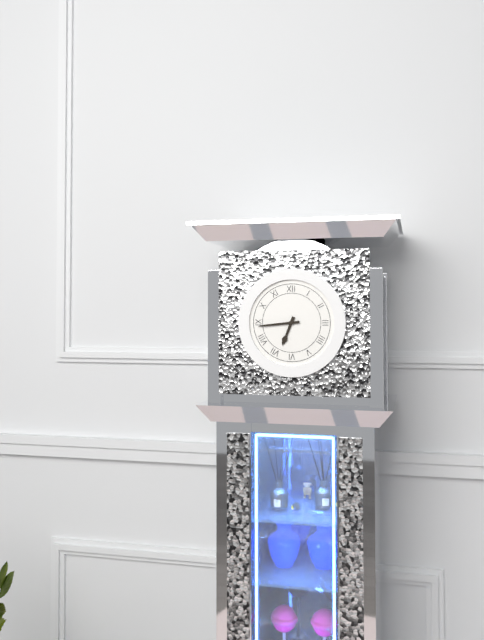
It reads 6 h 44 min
